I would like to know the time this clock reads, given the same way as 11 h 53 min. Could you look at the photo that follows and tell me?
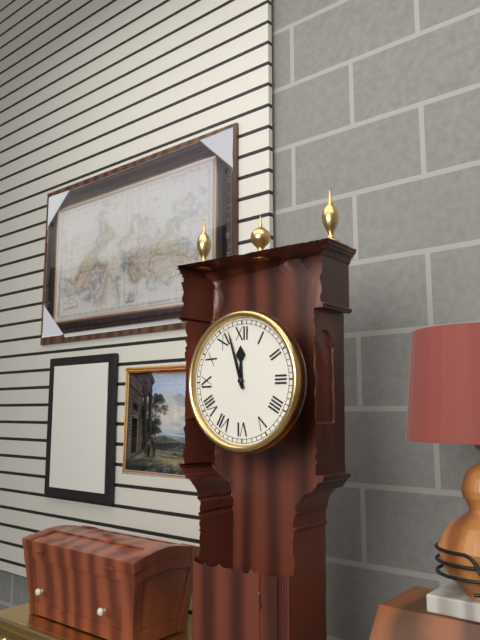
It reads 11 h 57 min
